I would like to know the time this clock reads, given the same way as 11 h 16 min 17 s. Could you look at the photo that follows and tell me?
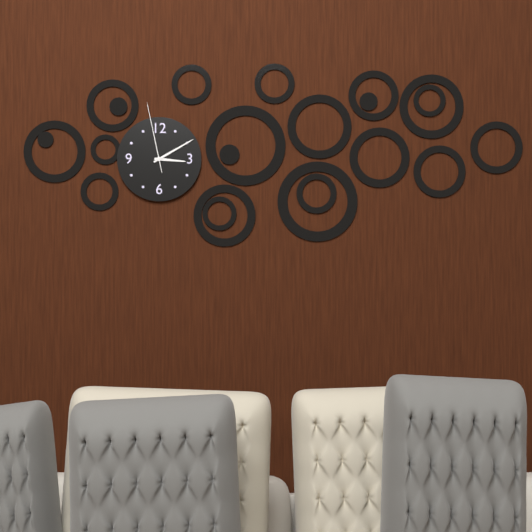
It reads 3 h 10 min 58 s
